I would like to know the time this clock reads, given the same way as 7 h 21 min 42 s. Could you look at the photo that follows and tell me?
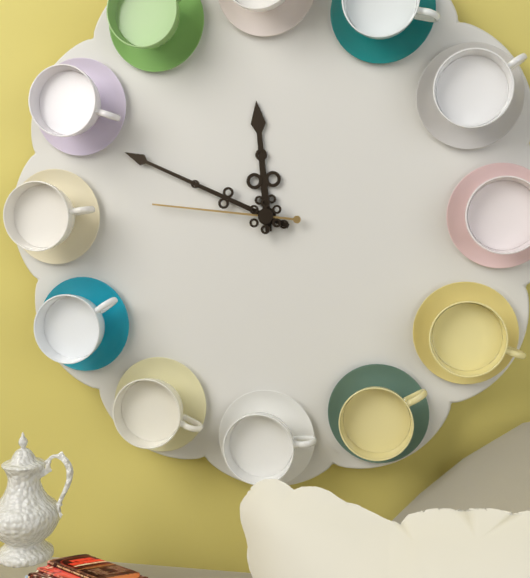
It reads 11 h 49 min 46 s
